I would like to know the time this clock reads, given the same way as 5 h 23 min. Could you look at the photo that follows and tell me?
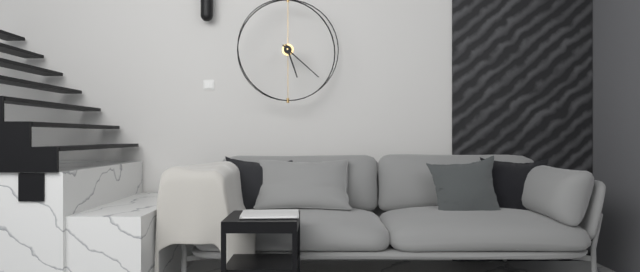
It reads 5 h 22 min
